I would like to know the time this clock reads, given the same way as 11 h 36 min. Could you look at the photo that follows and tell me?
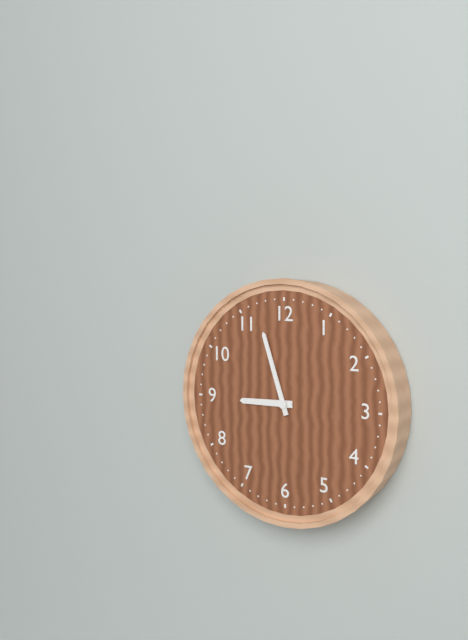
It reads 8 h 57 min
